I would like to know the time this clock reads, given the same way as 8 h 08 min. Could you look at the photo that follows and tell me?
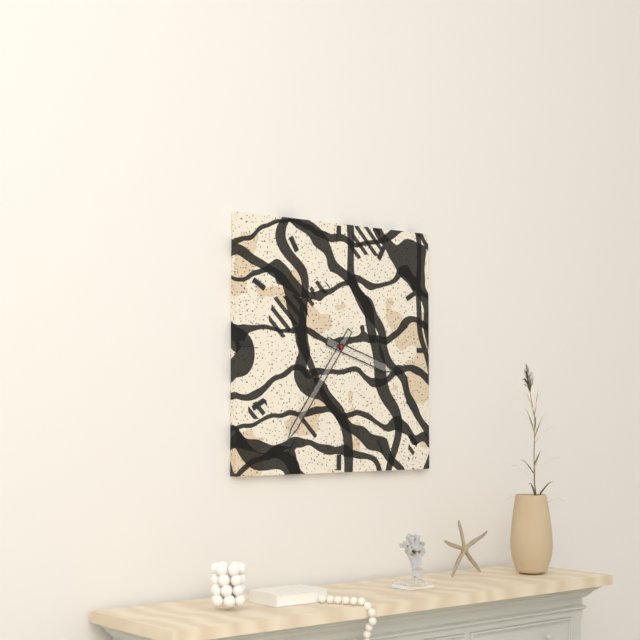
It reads 3 h 36 min
